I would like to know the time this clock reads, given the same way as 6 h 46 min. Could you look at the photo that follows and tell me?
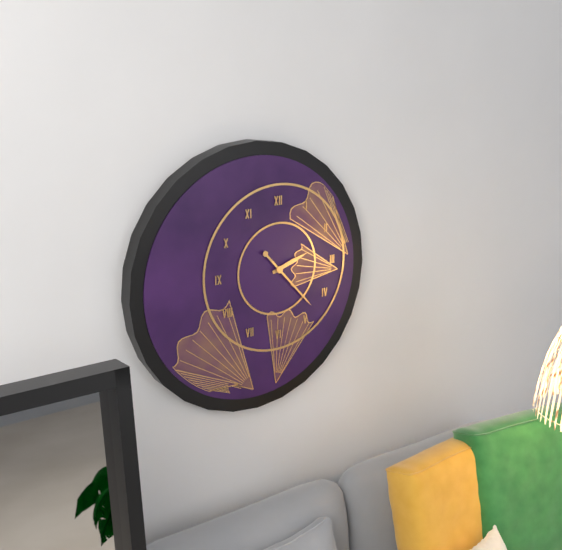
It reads 2 h 23 min
